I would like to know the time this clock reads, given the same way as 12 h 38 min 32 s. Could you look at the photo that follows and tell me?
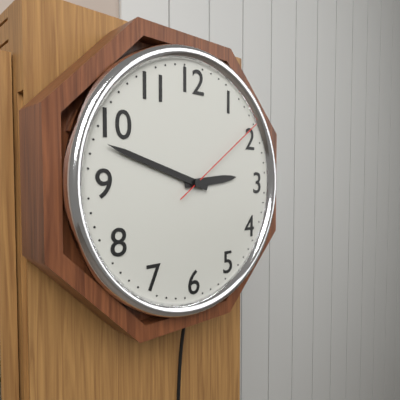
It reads 2 h 48 min 09 s
